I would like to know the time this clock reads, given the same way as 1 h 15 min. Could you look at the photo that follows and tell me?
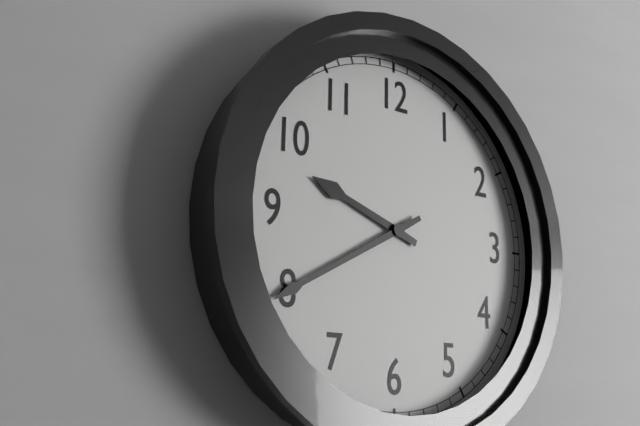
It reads 9 h 40 min
